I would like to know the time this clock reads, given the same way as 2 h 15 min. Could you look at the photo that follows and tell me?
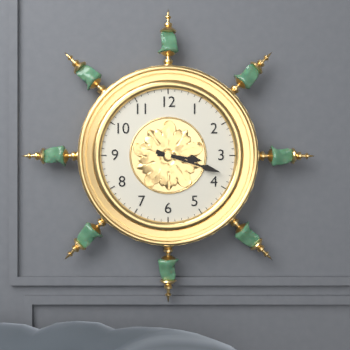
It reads 3 h 18 min
